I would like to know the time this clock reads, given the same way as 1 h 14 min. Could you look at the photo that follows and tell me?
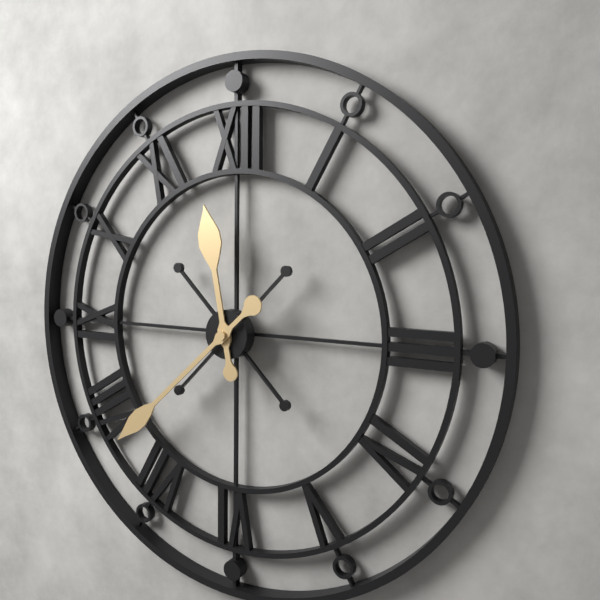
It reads 11 h 38 min
